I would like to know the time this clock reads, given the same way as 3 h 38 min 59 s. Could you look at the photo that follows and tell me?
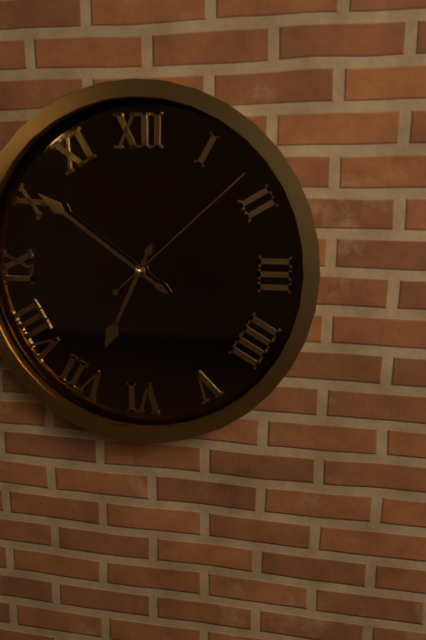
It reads 6 h 51 min 08 s
